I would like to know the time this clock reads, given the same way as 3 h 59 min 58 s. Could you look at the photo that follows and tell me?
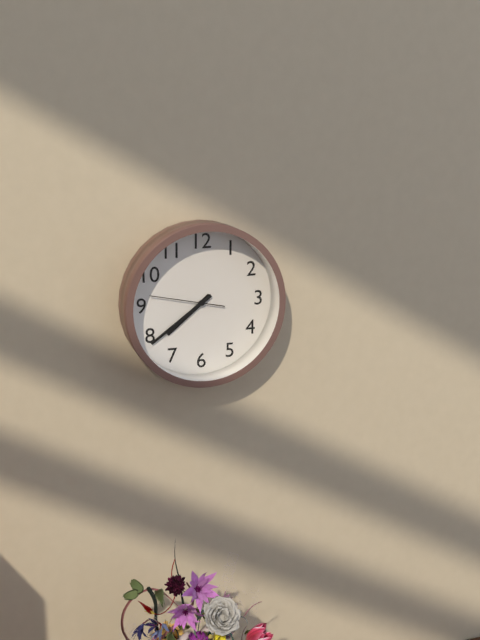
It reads 7 h 39 min 47 s
